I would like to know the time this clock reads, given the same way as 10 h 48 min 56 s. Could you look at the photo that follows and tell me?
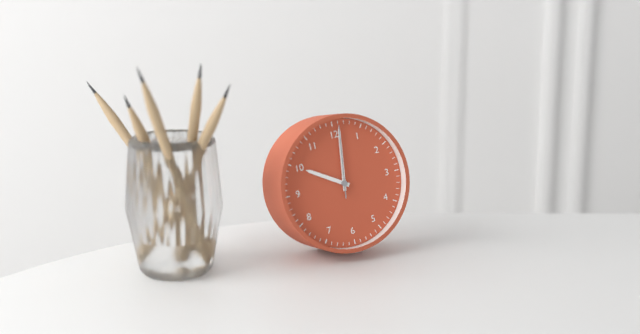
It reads 10 h 01 min 01 s
